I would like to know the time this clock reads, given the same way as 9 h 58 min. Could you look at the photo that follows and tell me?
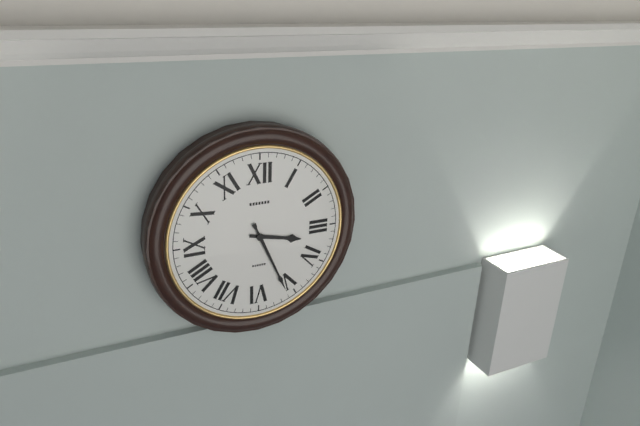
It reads 3 h 26 min
